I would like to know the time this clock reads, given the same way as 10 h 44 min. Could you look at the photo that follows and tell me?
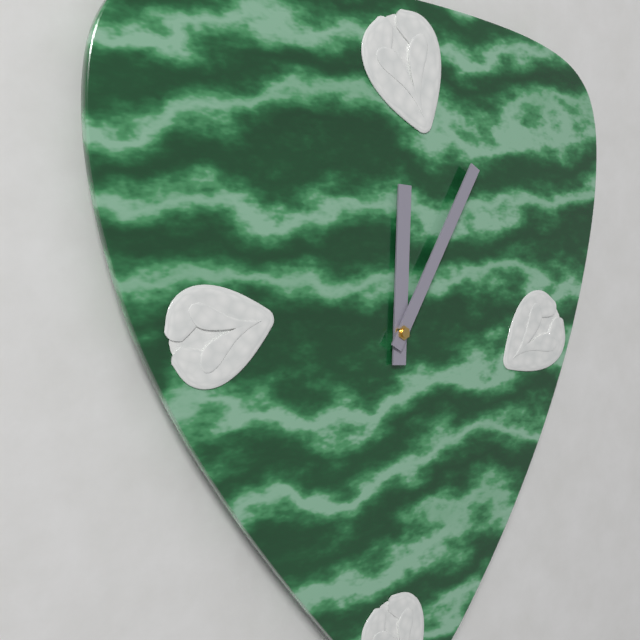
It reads 12 h 05 min
